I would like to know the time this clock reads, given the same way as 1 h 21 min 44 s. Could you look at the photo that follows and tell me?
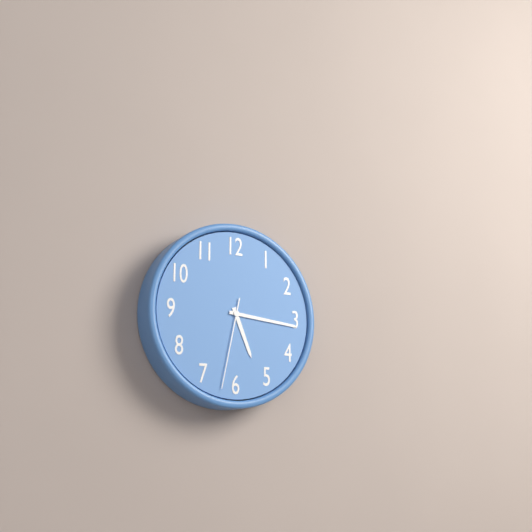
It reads 5 h 16 min 32 s
